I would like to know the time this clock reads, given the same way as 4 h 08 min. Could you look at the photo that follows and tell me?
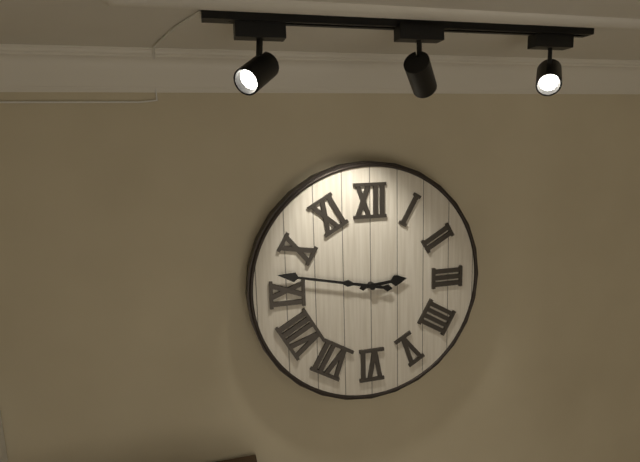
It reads 2 h 47 min
